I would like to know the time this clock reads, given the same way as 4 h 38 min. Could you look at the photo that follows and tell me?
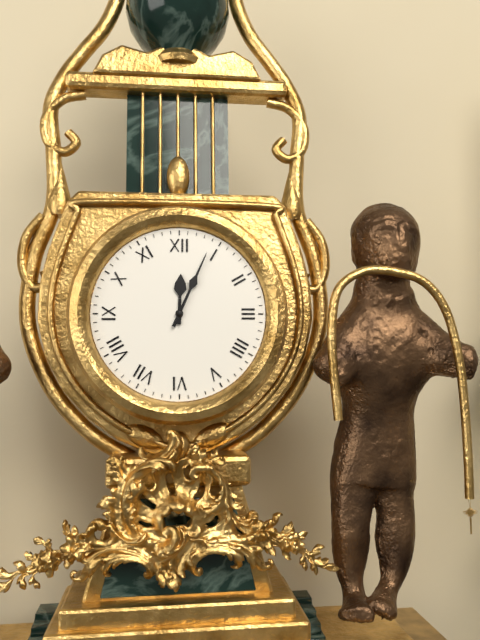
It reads 12 h 04 min
